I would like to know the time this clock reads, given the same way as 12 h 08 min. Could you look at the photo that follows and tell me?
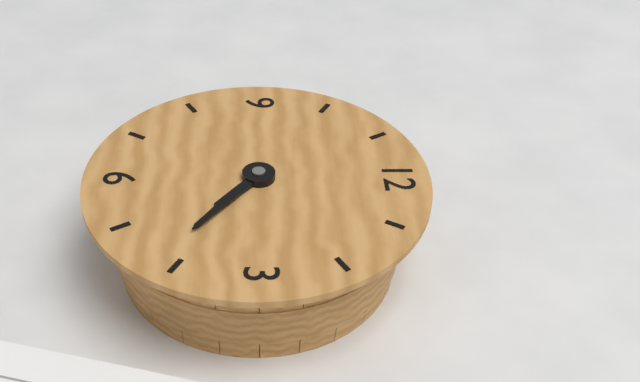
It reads 4 h 21 min
